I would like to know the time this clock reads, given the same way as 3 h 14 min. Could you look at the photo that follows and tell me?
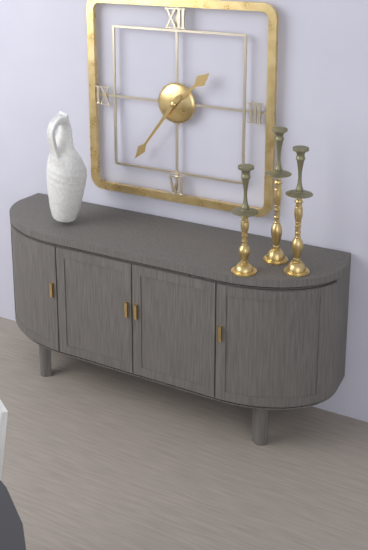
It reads 1 h 36 min
